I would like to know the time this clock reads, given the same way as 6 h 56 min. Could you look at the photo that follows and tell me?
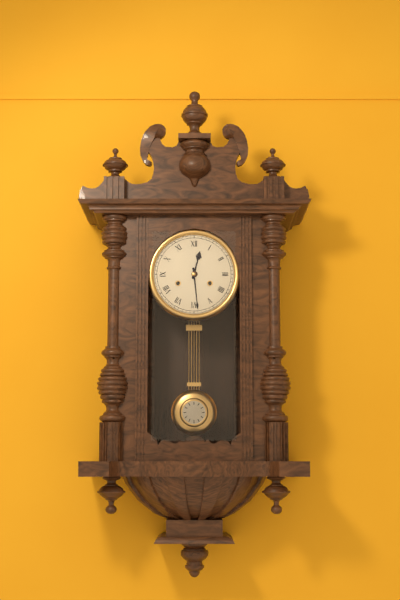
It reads 12 h 29 min
